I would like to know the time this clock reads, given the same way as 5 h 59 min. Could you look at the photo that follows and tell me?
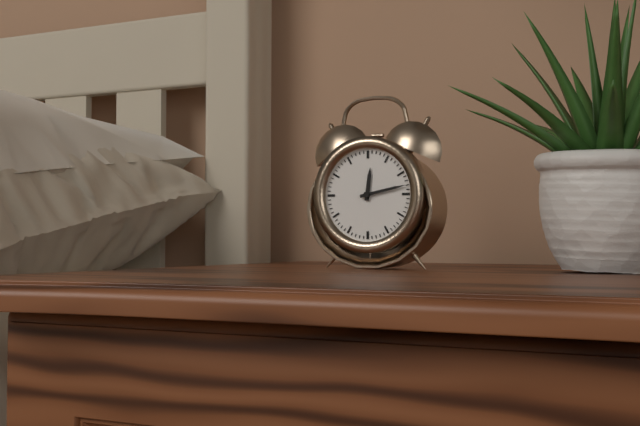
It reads 12 h 13 min
